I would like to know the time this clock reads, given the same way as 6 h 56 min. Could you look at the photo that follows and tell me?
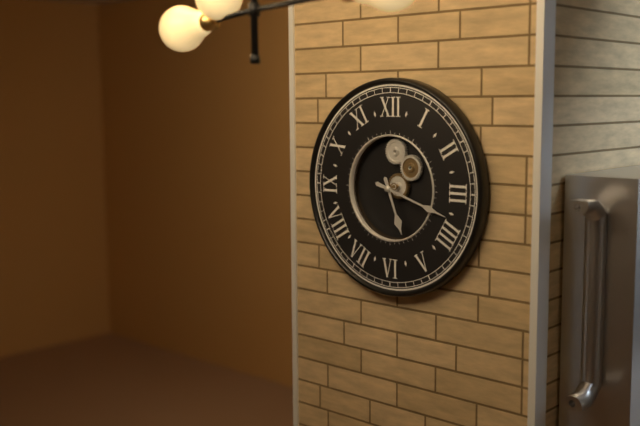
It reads 5 h 18 min
